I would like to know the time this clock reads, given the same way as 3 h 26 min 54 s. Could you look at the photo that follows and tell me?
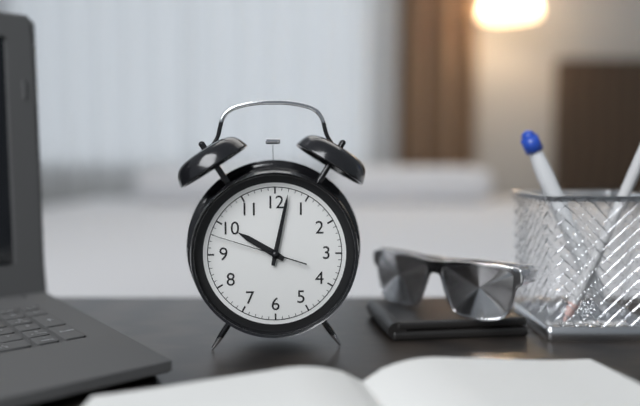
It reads 10 h 02 min 48 s
